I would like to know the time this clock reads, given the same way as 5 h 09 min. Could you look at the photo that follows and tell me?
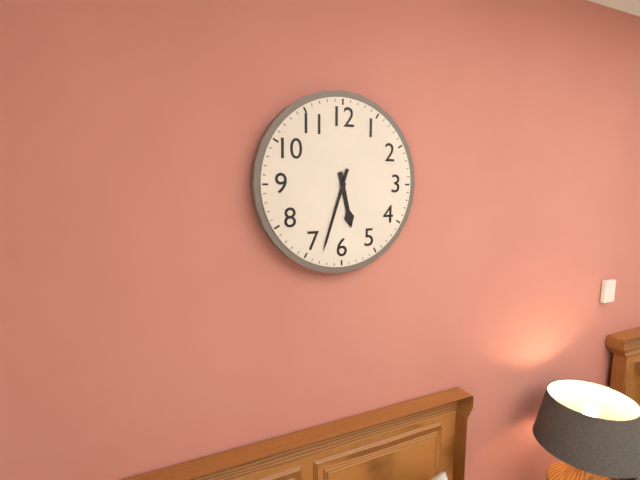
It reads 5 h 33 min
